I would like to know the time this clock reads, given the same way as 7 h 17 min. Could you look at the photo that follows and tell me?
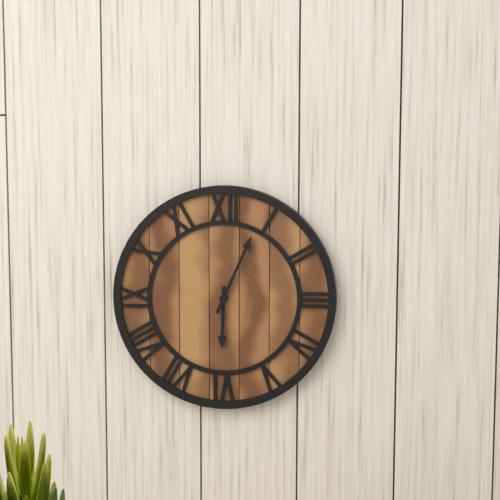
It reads 6 h 04 min
